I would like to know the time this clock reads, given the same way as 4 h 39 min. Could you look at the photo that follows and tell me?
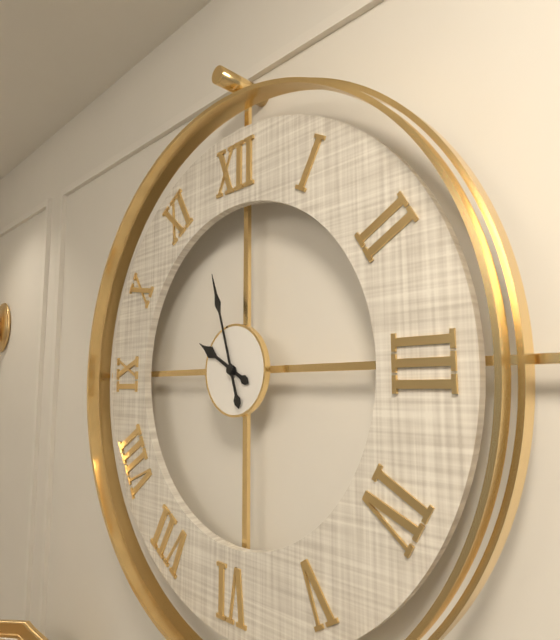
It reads 9 h 57 min
